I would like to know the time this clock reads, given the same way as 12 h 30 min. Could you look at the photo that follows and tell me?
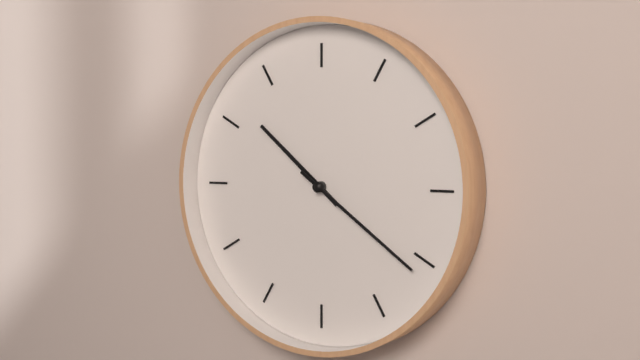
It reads 10 h 21 min
